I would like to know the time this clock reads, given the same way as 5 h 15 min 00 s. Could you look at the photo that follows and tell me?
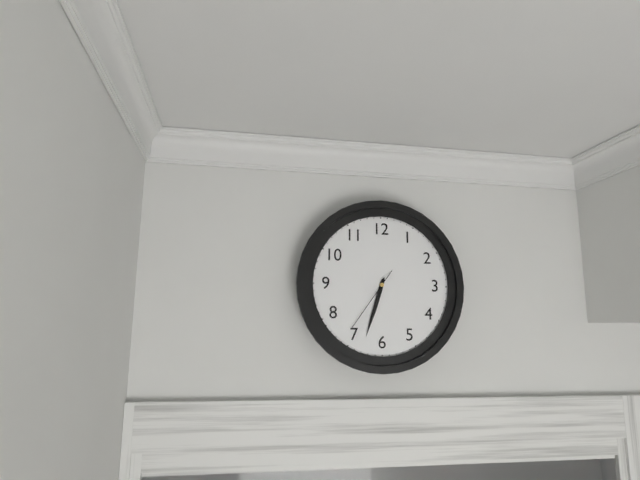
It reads 6 h 33 min 36 s
